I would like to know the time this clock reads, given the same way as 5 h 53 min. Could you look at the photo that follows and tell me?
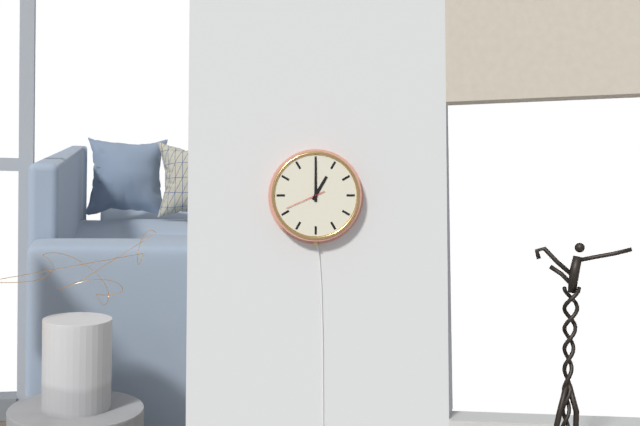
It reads 1 h 00 min
